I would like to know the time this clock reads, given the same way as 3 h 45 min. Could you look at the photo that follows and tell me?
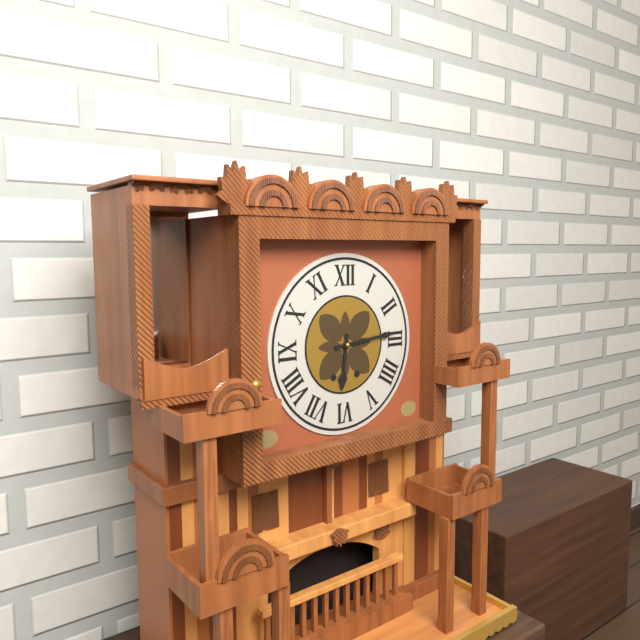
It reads 6 h 14 min
